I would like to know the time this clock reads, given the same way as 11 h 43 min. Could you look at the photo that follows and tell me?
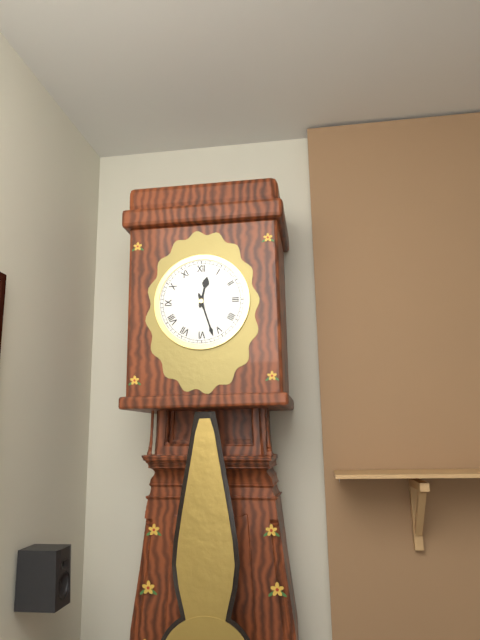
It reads 12 h 27 min
